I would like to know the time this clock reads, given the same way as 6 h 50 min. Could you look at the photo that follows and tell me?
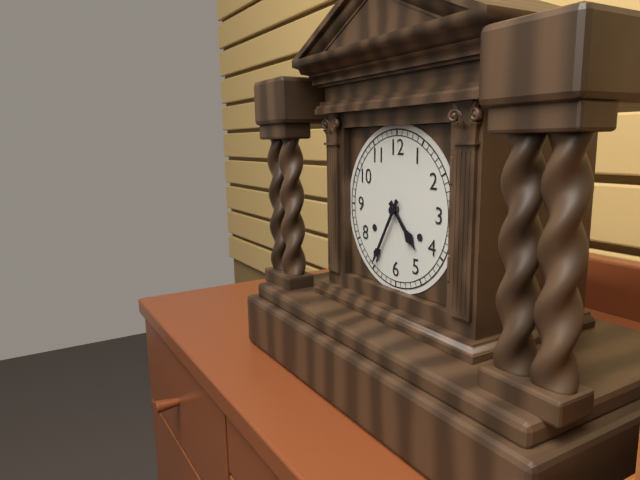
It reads 4 h 35 min
